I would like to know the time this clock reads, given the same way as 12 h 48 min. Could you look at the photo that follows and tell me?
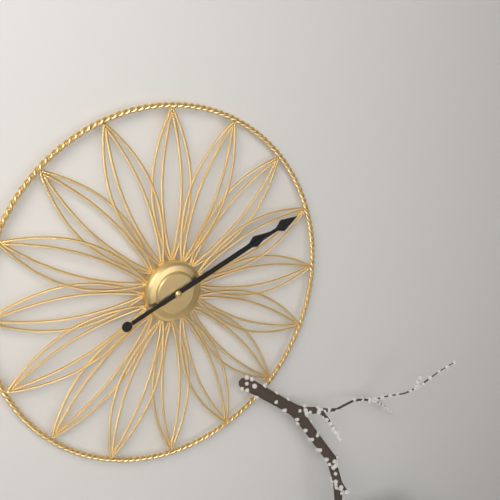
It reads 2 h 11 min
